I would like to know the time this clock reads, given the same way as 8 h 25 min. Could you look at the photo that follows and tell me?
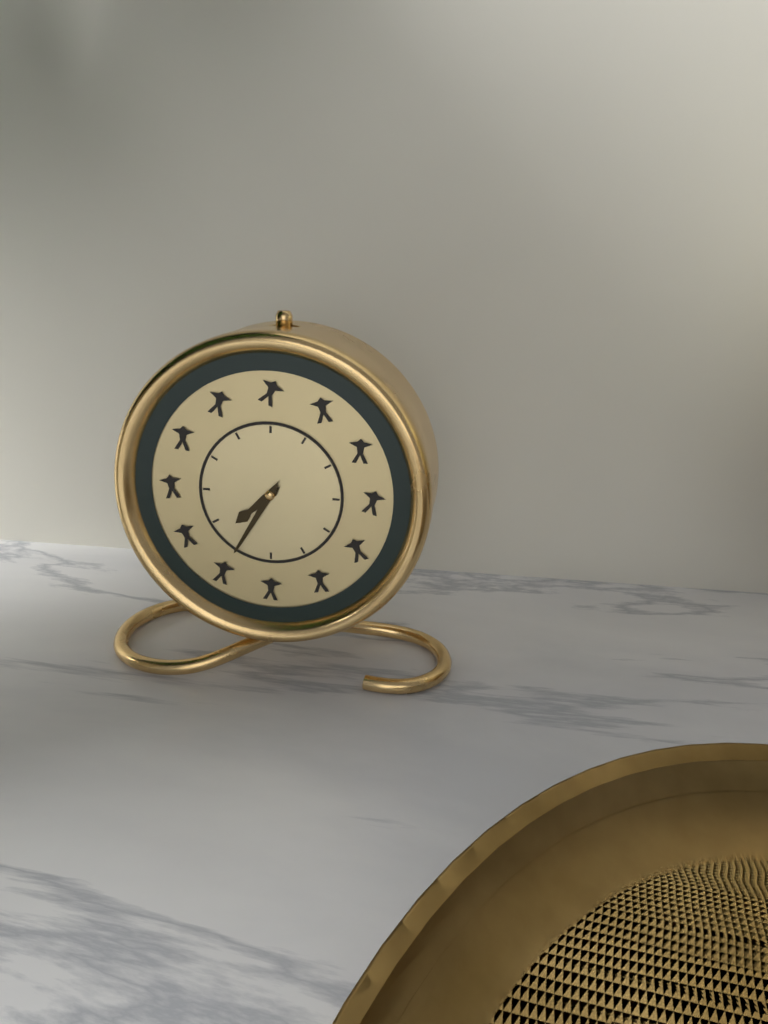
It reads 7 h 35 min
